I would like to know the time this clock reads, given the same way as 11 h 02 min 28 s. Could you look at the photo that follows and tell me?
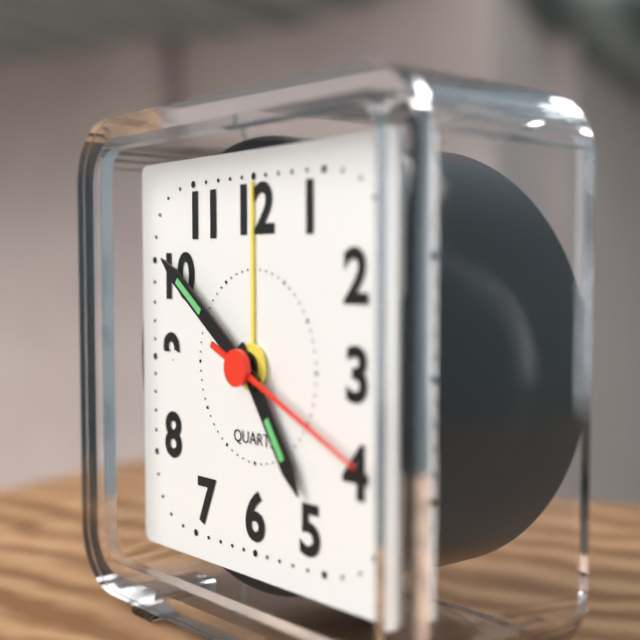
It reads 4 h 51 min 19 s
